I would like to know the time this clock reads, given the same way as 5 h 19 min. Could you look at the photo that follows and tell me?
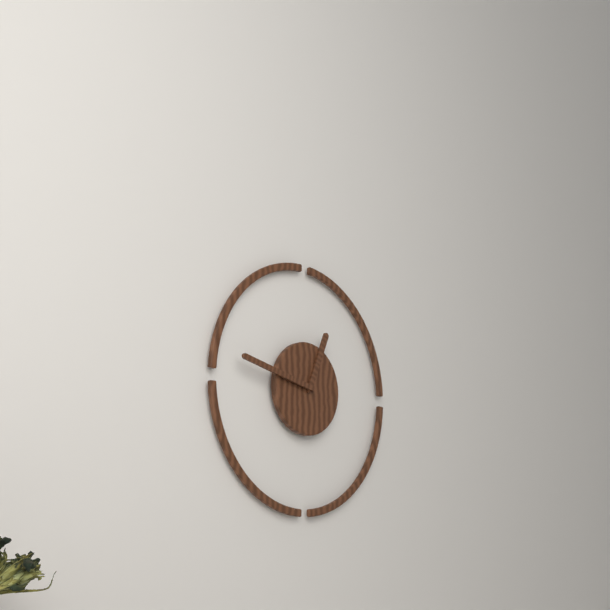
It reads 12 h 47 min
